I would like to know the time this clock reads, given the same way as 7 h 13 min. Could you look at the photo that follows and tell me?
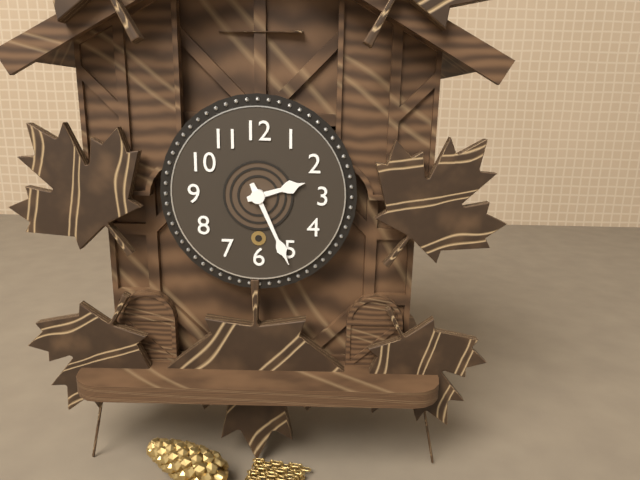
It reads 2 h 26 min
